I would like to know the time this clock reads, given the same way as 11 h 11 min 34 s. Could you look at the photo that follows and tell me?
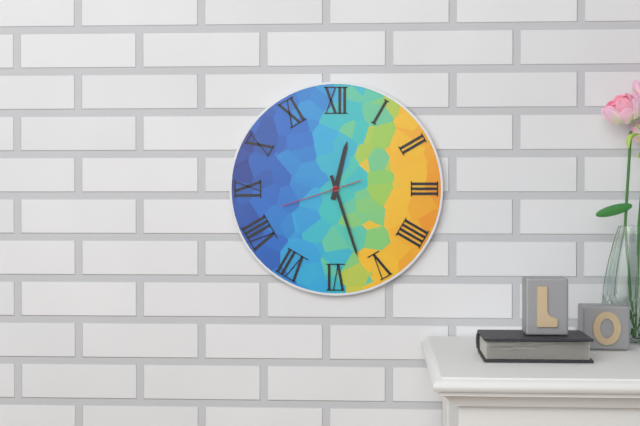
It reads 12 h 27 min 42 s
